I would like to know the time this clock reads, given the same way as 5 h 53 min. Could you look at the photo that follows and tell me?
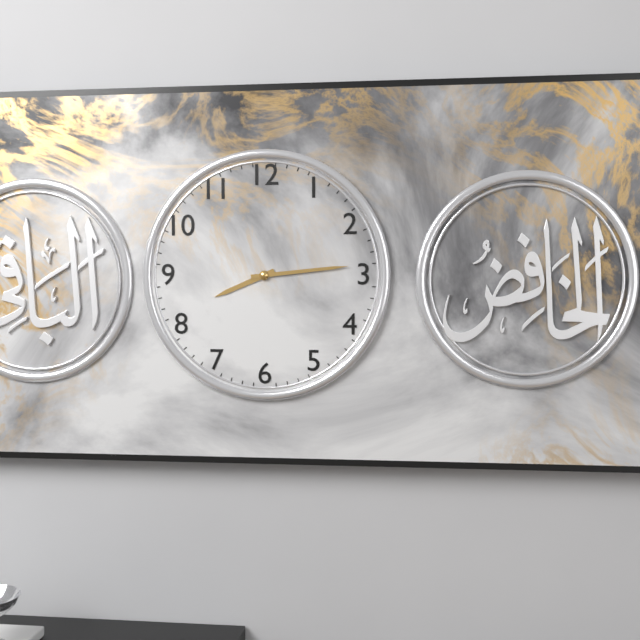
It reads 8 h 14 min
